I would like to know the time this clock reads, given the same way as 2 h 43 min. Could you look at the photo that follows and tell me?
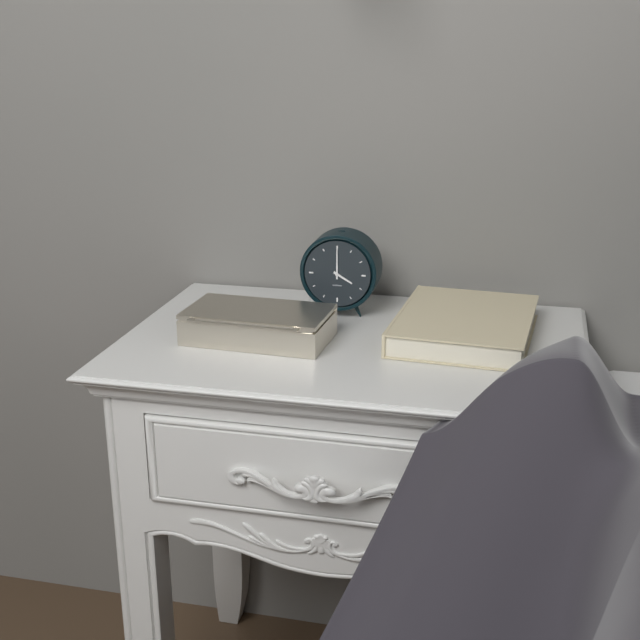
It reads 4 h 00 min
